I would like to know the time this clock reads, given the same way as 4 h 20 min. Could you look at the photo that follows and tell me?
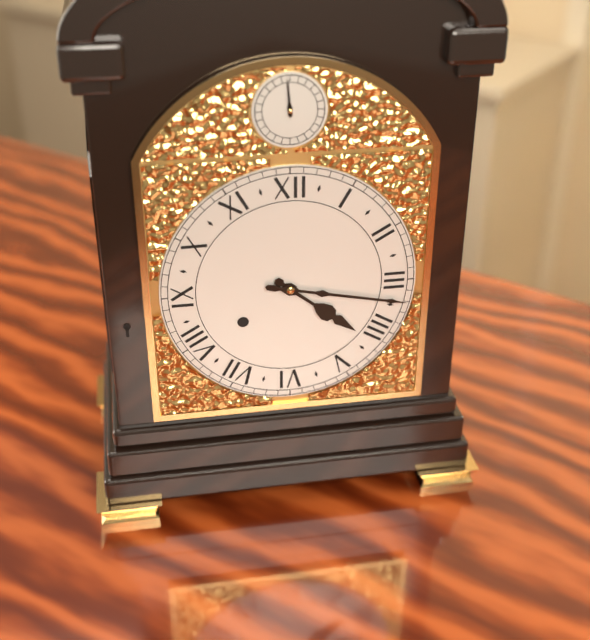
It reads 4 h 17 min
